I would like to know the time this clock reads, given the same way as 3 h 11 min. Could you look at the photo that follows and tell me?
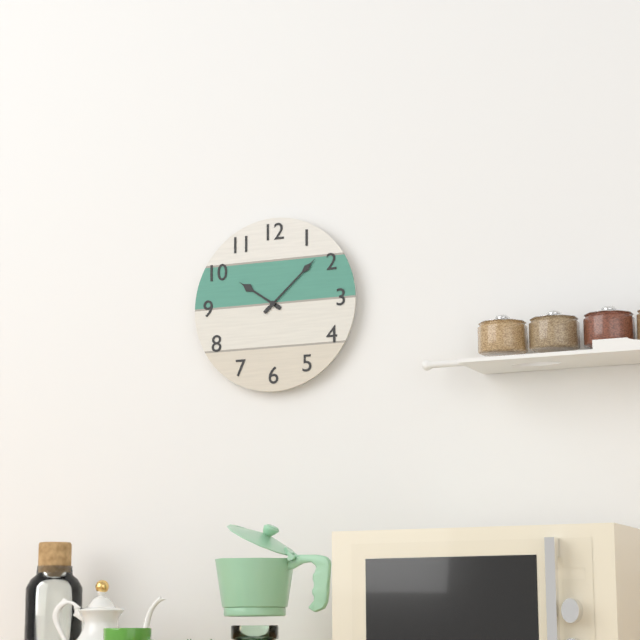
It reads 10 h 08 min
